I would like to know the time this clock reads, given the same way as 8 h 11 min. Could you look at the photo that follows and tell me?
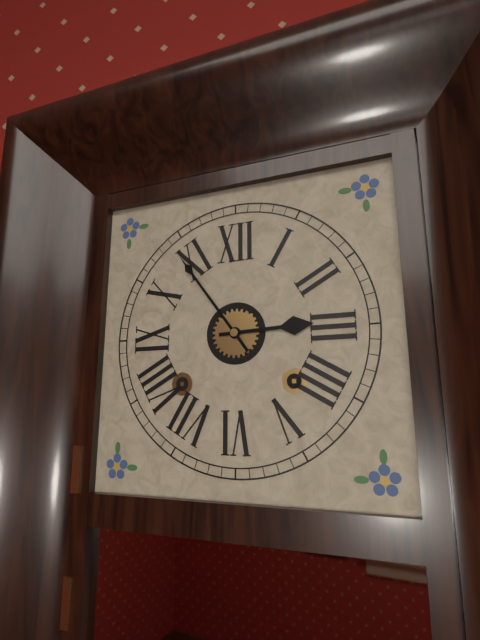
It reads 2 h 54 min
